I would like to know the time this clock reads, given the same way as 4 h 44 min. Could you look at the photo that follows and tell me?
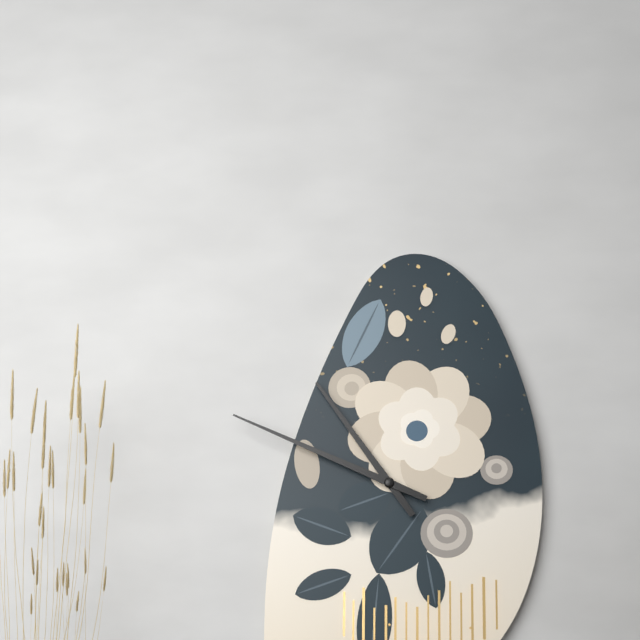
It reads 10 h 49 min
